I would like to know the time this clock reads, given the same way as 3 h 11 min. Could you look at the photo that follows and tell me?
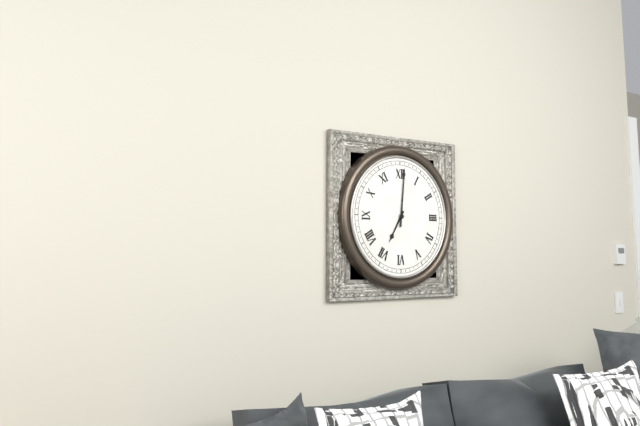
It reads 7 h 01 min
